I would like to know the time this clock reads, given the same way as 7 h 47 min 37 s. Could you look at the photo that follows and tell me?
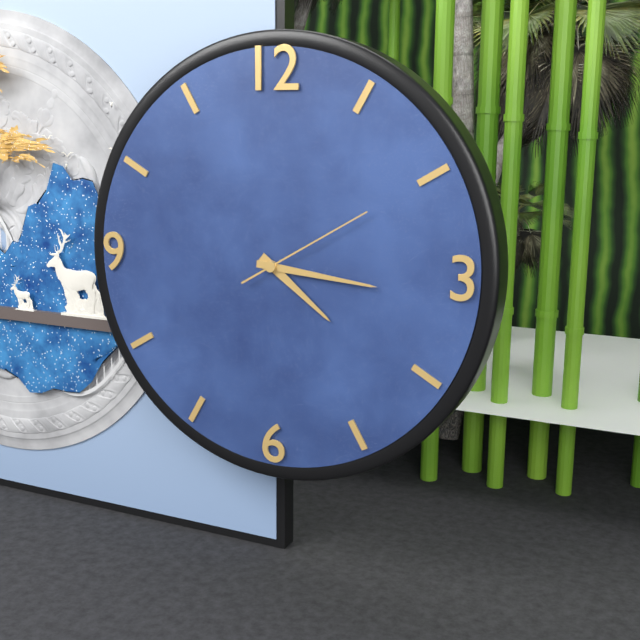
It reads 4 h 16 min 10 s
